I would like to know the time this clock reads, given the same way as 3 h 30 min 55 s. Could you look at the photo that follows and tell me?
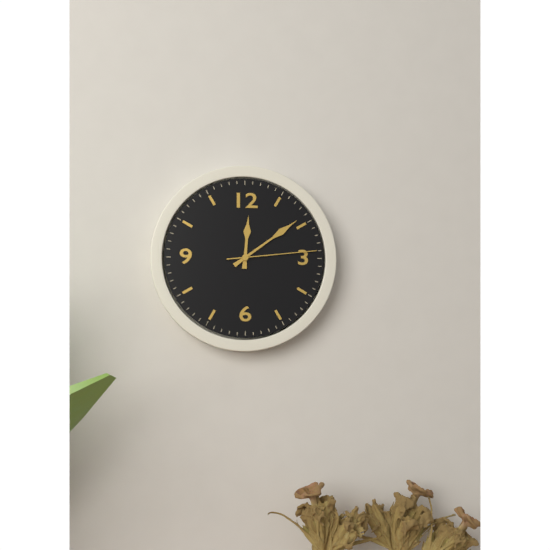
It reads 12 h 09 min 14 s
